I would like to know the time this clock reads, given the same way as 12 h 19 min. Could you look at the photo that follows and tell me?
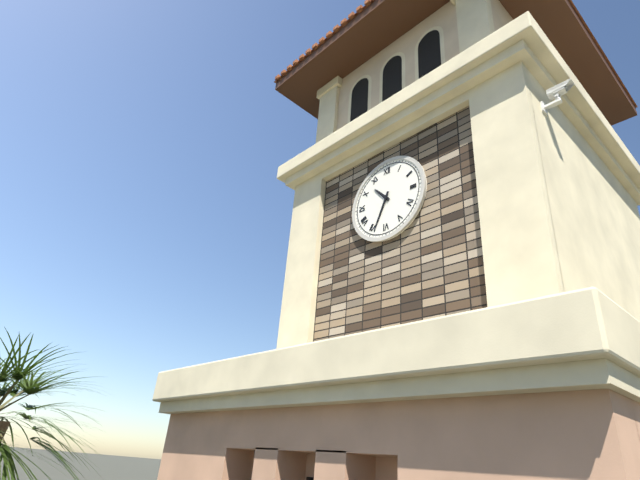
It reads 10 h 34 min
